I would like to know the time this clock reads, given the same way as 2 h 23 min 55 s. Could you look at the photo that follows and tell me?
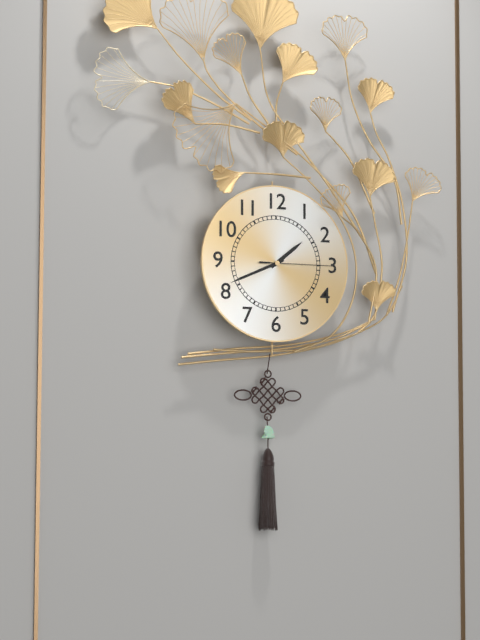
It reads 1 h 41 min 15 s
